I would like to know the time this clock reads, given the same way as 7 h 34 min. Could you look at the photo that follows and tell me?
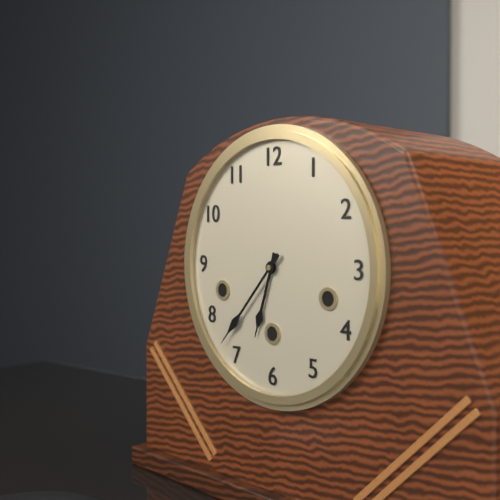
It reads 6 h 37 min
